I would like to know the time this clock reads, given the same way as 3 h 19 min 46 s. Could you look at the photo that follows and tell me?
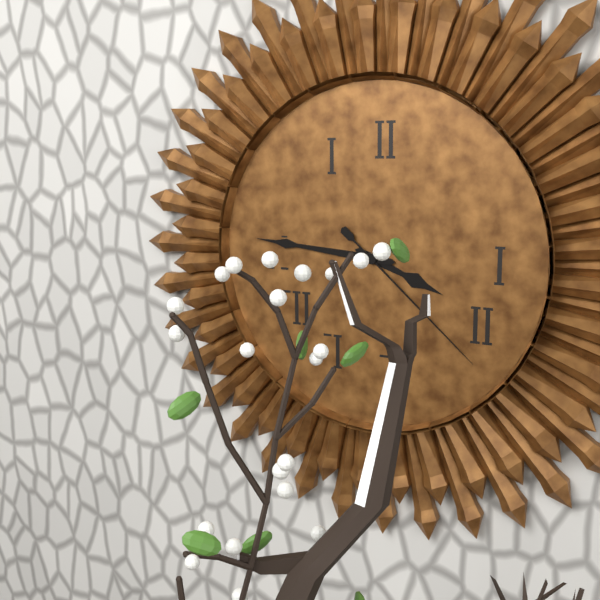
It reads 3 h 46 min 22 s
